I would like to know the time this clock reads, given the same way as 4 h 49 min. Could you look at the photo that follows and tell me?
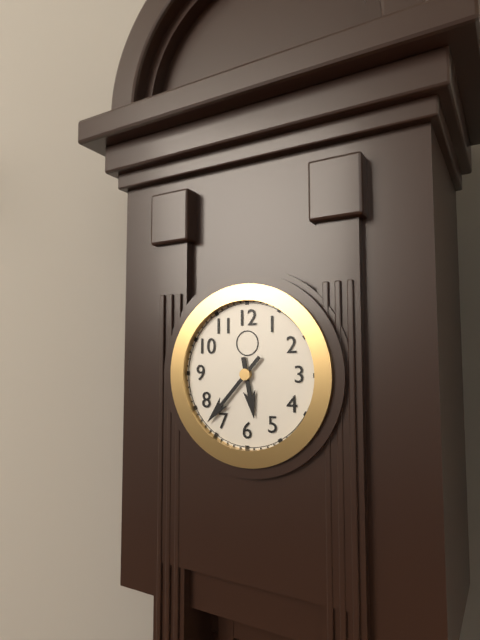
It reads 5 h 37 min
